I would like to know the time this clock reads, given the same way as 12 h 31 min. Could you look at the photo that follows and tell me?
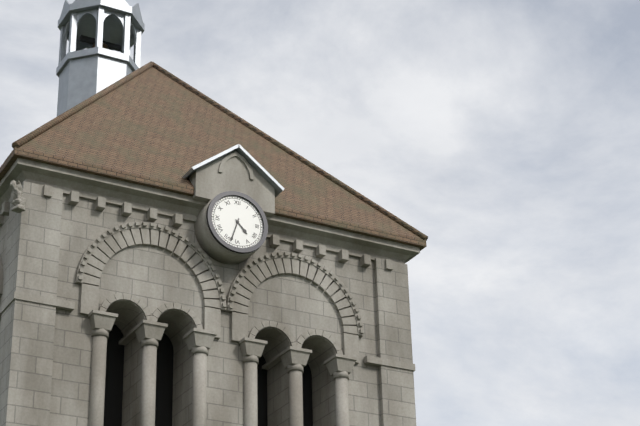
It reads 4 h 33 min
